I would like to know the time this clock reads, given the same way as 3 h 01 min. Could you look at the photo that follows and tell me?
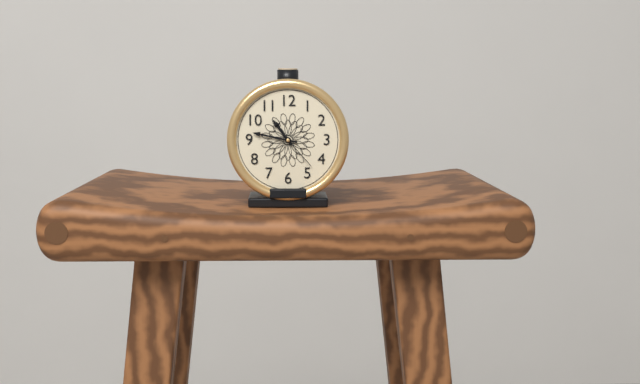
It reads 10 h 47 min
